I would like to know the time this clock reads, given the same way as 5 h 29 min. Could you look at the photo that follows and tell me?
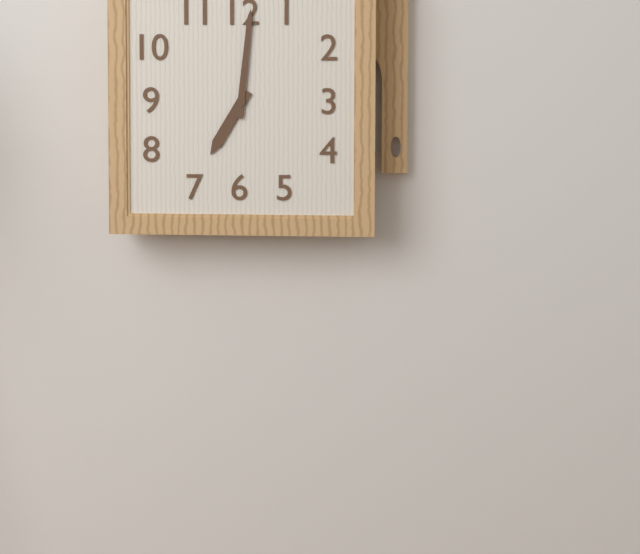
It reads 7 h 01 min
